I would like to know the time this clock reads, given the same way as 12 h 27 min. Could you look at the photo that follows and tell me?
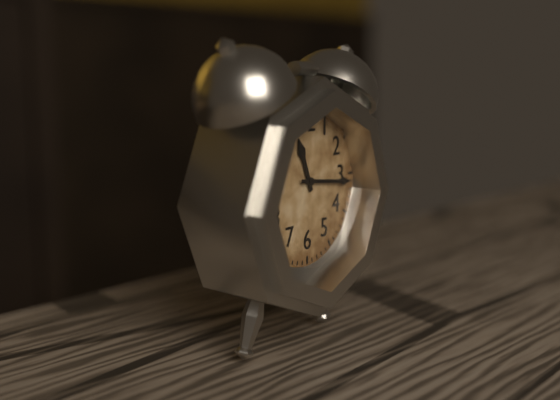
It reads 11 h 16 min
